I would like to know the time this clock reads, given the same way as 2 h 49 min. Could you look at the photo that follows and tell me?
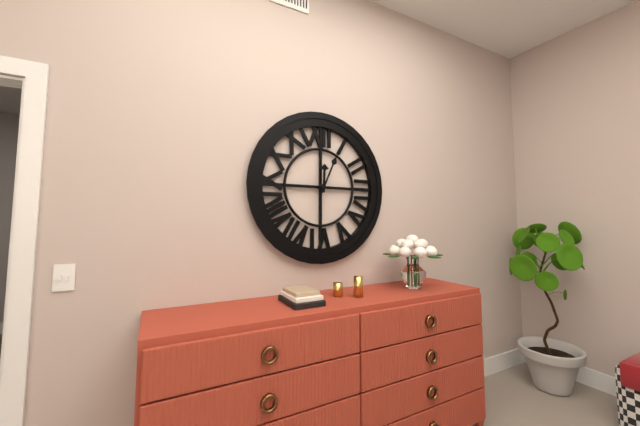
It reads 12 h 04 min
